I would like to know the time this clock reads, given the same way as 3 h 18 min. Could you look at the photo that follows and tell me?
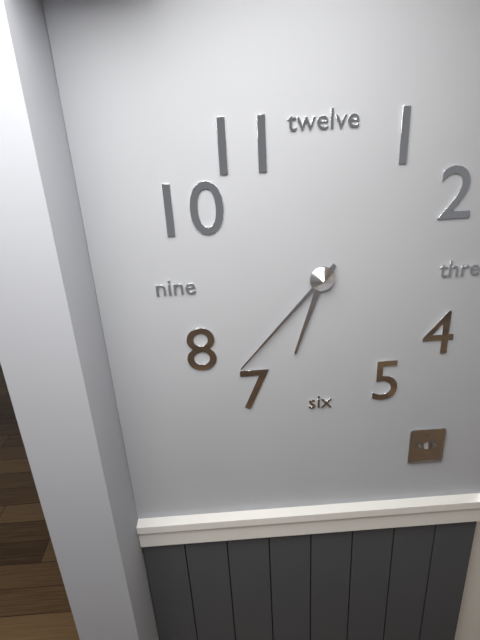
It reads 6 h 37 min
